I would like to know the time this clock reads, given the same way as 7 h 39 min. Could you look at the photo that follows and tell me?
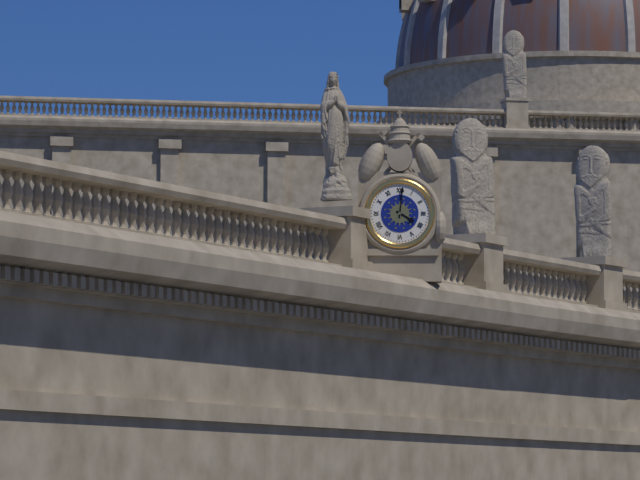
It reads 4 h 01 min
